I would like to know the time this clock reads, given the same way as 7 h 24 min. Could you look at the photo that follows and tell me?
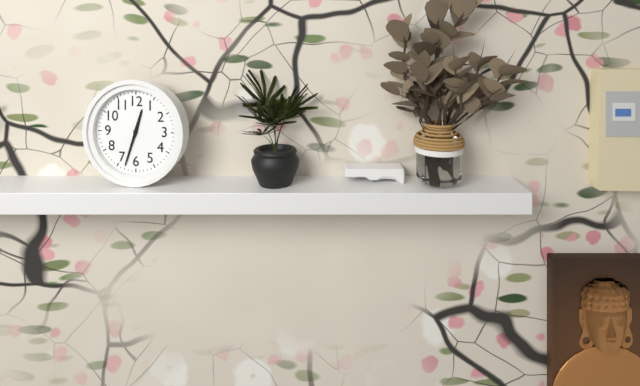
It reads 12 h 33 min
